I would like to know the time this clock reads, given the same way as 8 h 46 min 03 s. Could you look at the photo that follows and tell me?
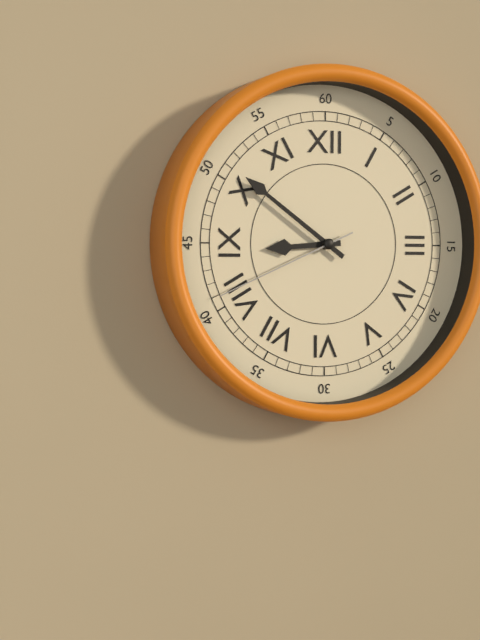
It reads 8 h 51 min 41 s
